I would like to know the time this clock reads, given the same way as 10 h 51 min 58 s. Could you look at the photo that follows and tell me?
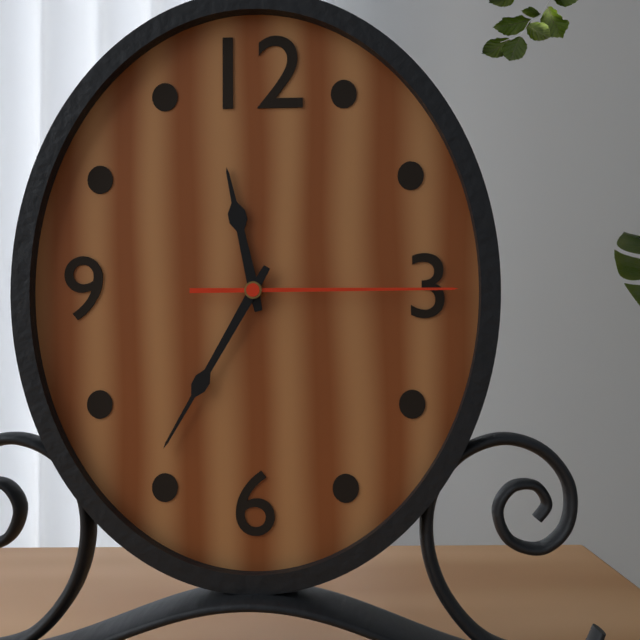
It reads 11 h 35 min 15 s
